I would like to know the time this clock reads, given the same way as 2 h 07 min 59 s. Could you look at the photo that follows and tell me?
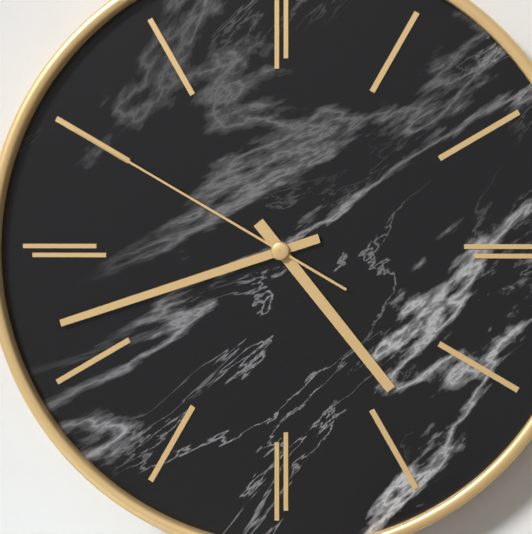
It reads 4 h 42 min 50 s
